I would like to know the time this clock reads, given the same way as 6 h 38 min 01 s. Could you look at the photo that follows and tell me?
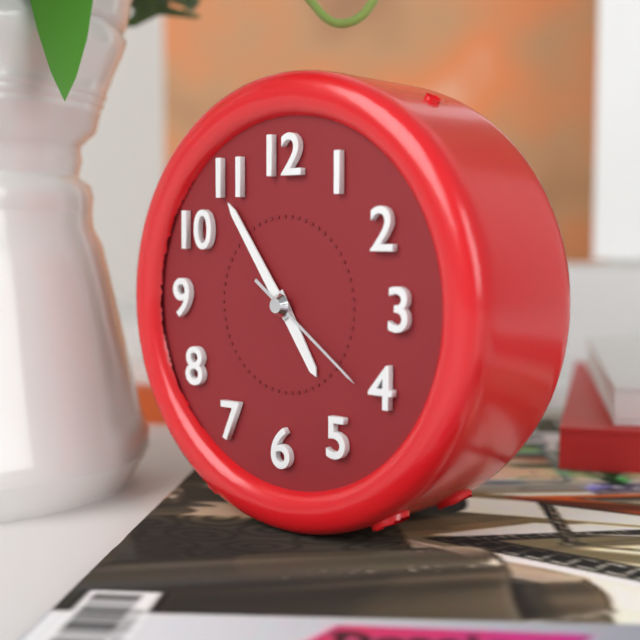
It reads 4 h 54 min 21 s
